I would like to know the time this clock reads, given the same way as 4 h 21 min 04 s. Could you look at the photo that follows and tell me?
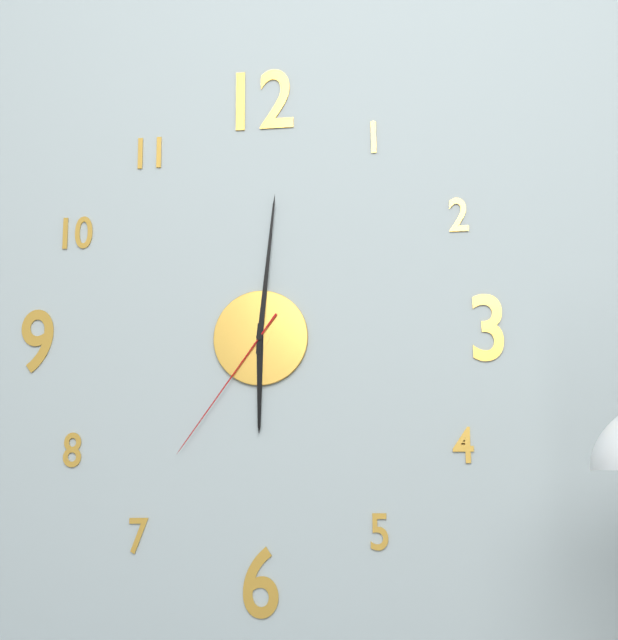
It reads 6 h 01 min 36 s
